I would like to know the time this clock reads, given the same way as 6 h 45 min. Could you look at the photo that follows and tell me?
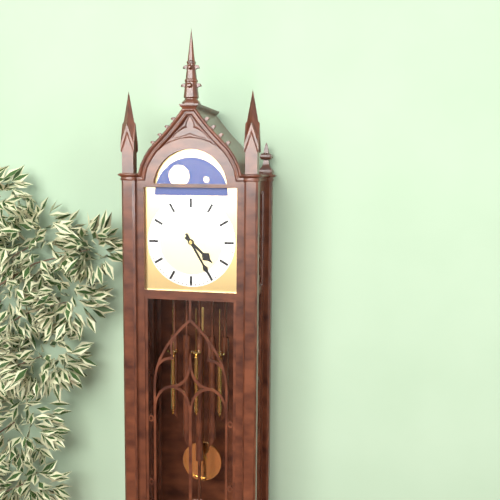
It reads 4 h 25 min
